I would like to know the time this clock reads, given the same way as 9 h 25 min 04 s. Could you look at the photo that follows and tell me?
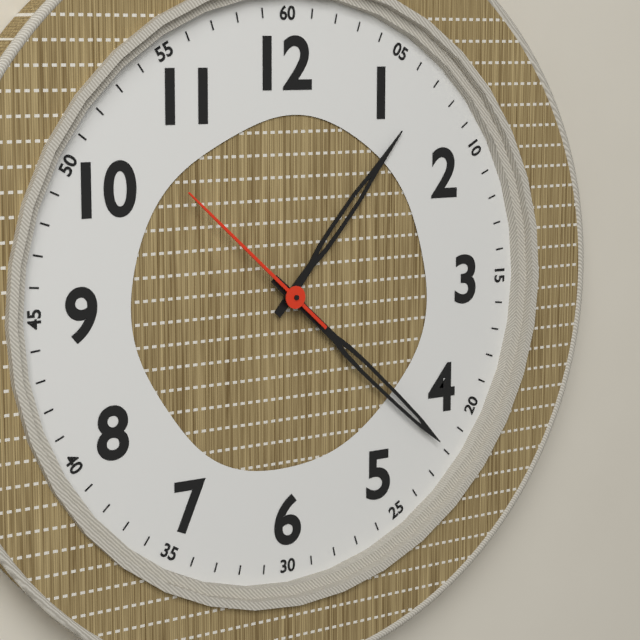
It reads 1 h 22 min 52 s
